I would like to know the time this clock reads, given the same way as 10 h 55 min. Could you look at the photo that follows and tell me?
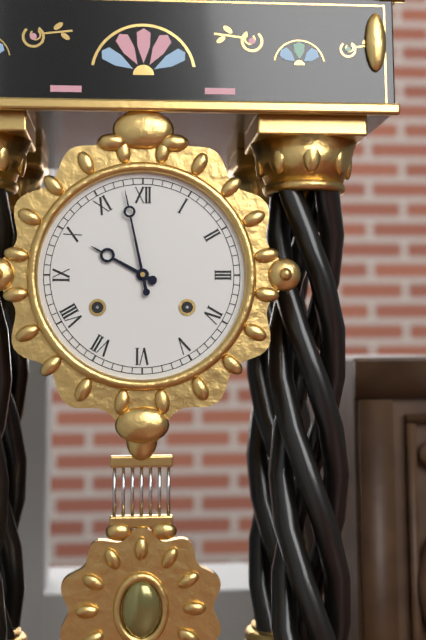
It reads 9 h 58 min
